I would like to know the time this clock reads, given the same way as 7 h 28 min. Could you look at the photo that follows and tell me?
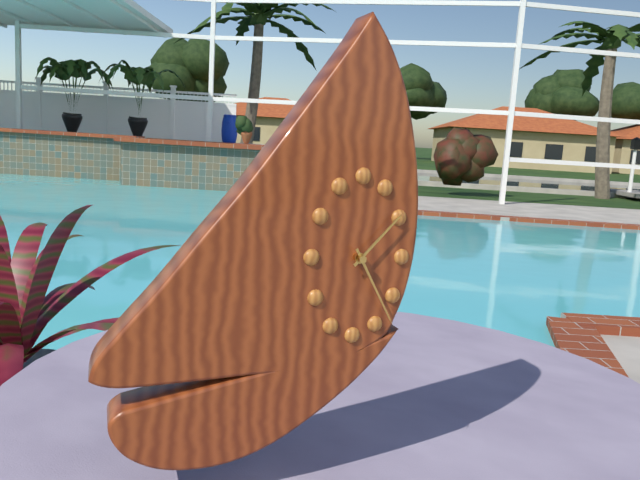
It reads 1 h 25 min
